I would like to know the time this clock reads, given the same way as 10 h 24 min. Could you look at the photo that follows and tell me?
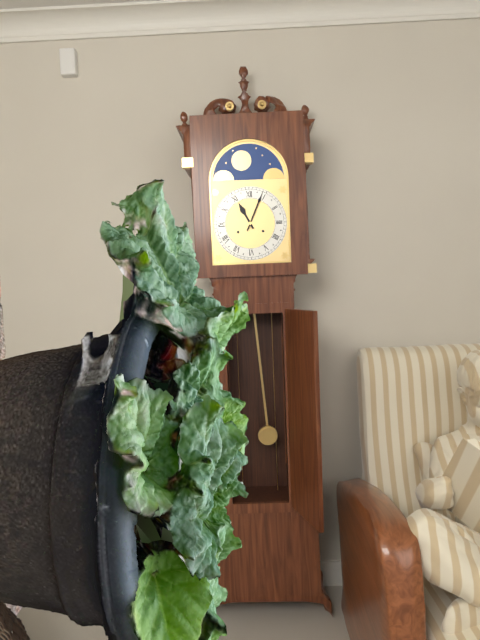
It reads 11 h 04 min
